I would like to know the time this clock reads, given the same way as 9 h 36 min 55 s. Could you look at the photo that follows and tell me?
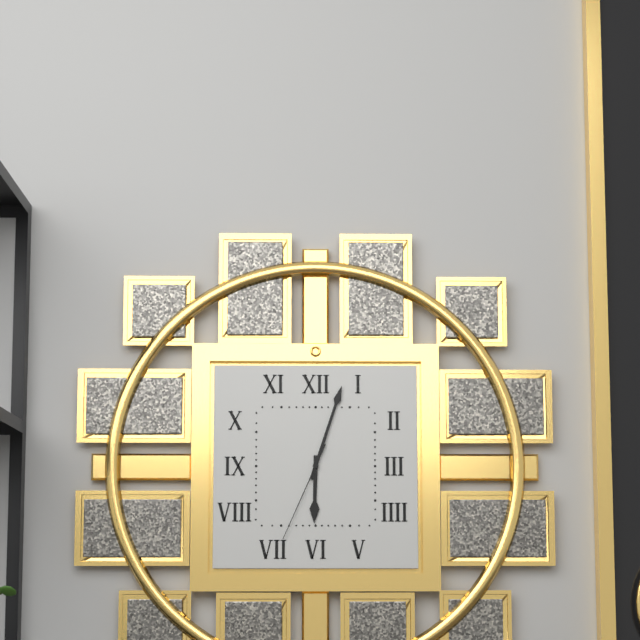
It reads 6 h 03 min 34 s
